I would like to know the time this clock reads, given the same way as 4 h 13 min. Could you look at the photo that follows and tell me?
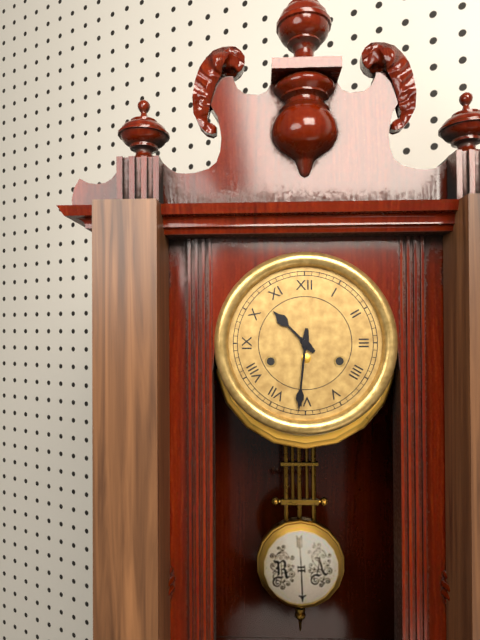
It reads 10 h 31 min
